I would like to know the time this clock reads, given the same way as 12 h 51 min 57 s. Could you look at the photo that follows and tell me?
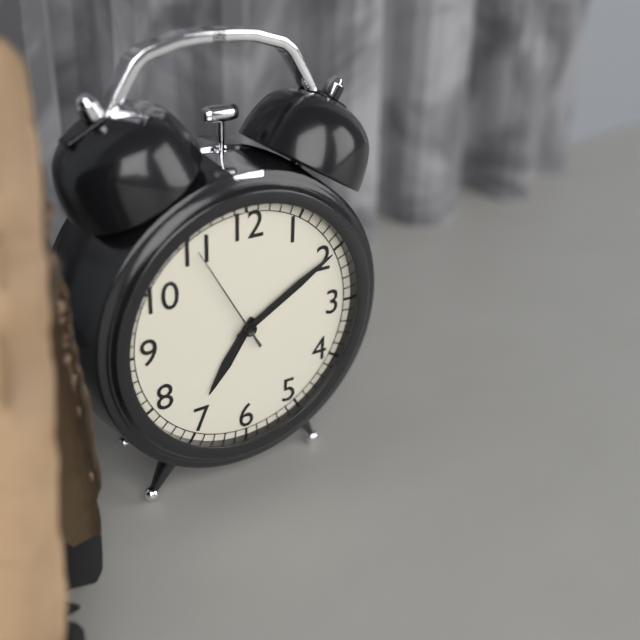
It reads 7 h 10 min 55 s
